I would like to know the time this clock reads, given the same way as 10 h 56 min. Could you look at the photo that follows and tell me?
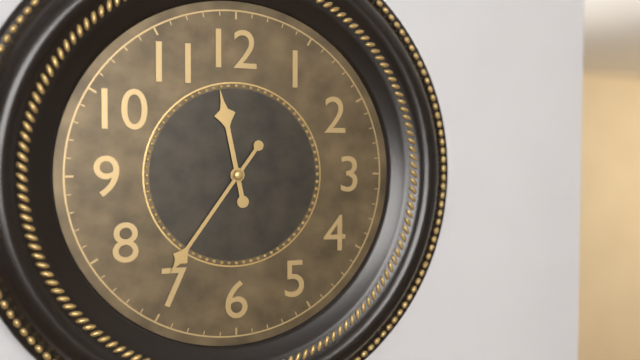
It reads 11 h 36 min
